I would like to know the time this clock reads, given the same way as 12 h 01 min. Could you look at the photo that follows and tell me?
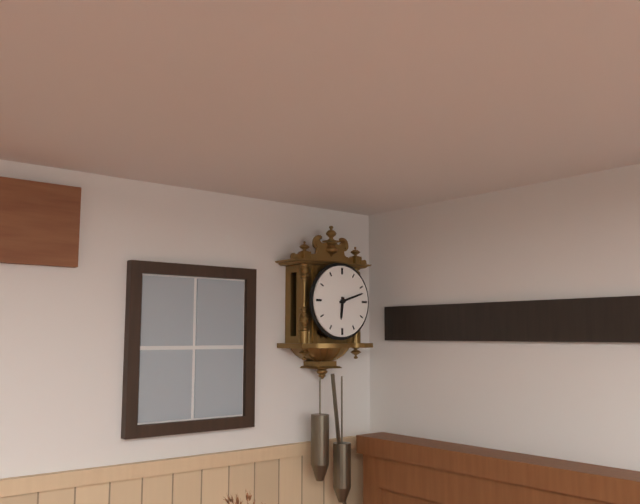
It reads 6 h 12 min
